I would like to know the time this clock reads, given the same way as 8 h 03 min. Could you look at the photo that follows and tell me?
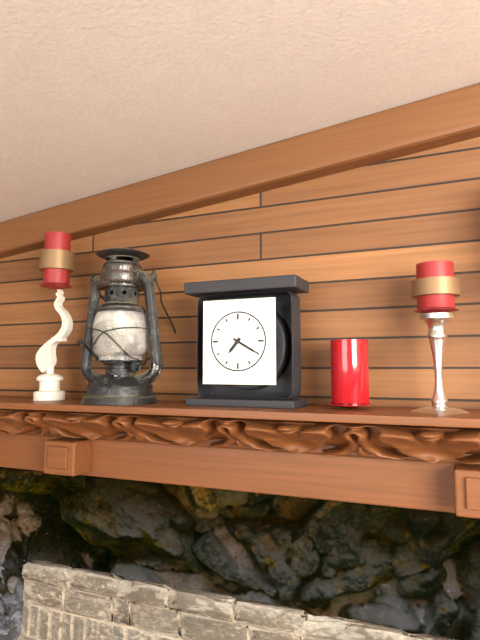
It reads 7 h 20 min
